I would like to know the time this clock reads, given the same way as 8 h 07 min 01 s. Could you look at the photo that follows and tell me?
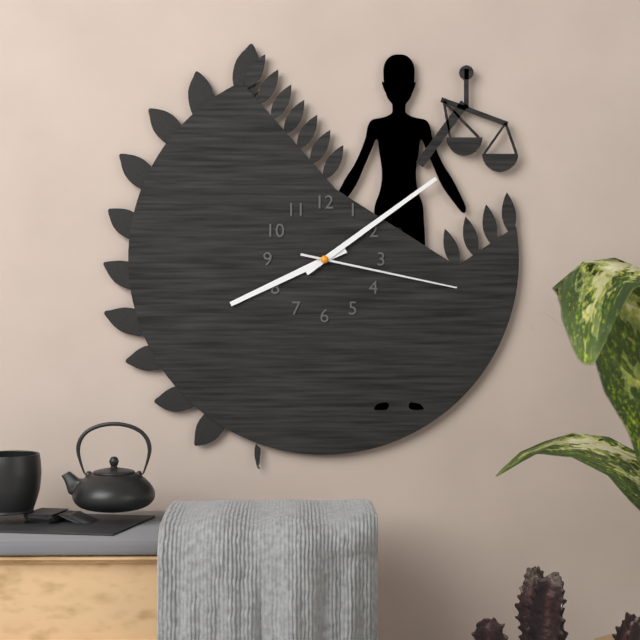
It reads 8 h 09 min 17 s
